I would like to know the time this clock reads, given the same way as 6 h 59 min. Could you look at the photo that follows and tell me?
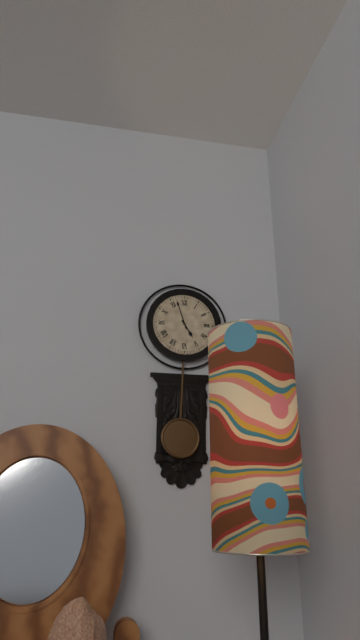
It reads 4 h 57 min
